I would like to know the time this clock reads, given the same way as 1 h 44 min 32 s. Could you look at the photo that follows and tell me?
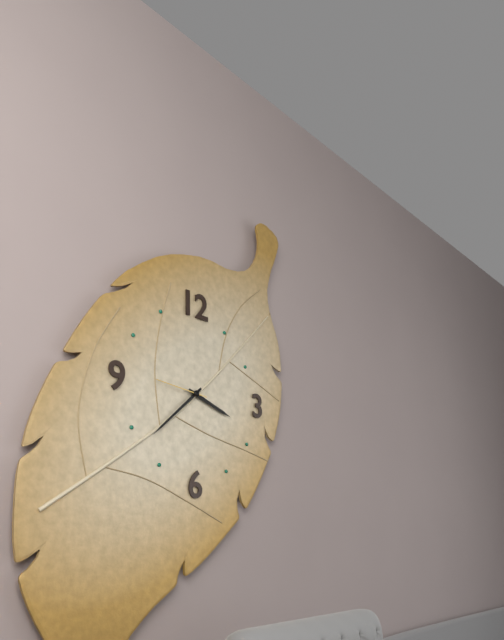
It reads 3 h 38 min 46 s
